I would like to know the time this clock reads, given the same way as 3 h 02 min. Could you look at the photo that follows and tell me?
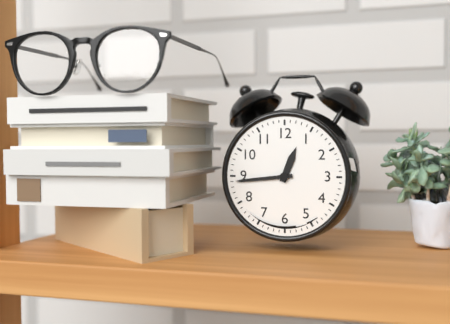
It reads 12 h 44 min
